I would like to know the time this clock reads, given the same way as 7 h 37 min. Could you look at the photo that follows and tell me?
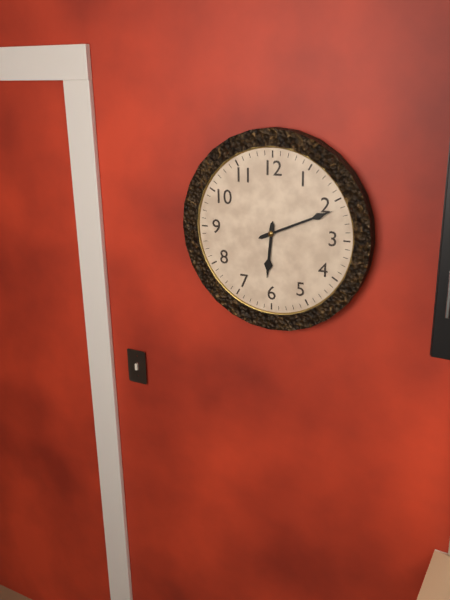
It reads 6 h 11 min
